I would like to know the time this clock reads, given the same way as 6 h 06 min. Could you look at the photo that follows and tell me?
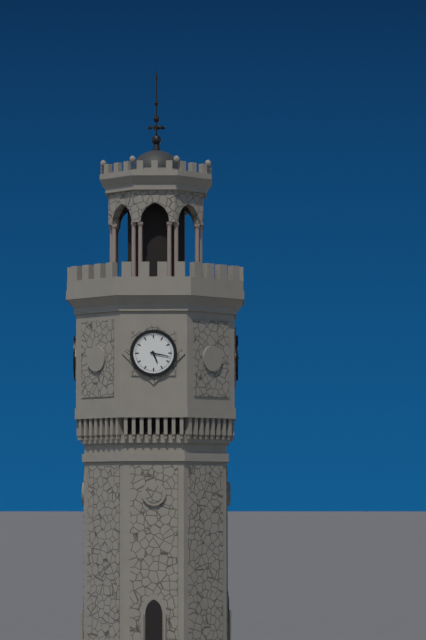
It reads 5 h 17 min
